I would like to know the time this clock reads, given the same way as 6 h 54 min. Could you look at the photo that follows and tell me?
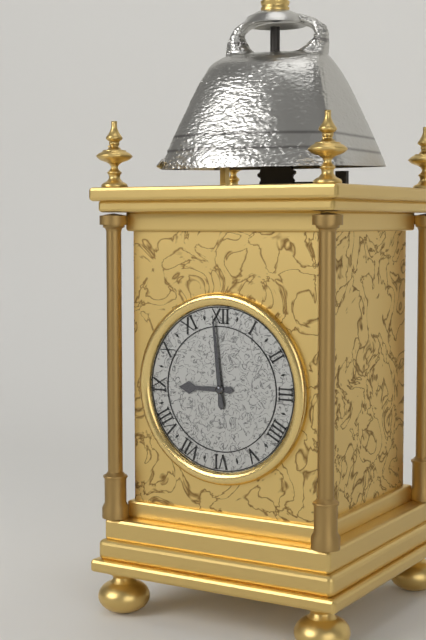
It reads 8 h 59 min
